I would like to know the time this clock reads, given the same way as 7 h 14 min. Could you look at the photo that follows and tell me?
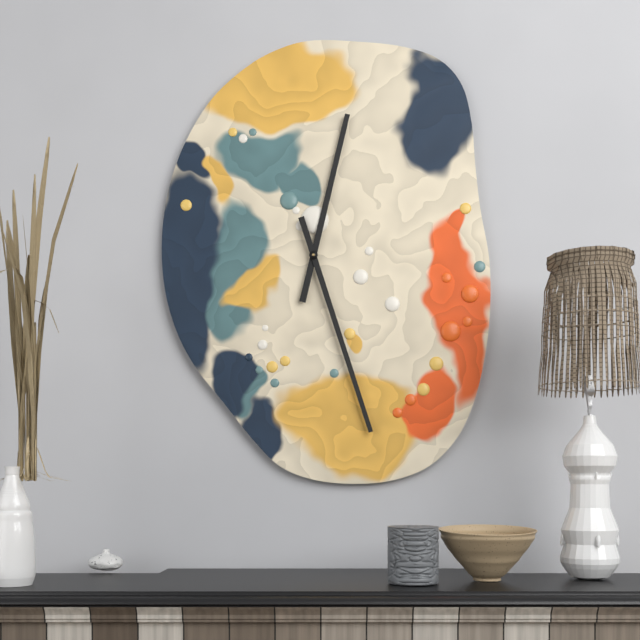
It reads 12 h 27 min
